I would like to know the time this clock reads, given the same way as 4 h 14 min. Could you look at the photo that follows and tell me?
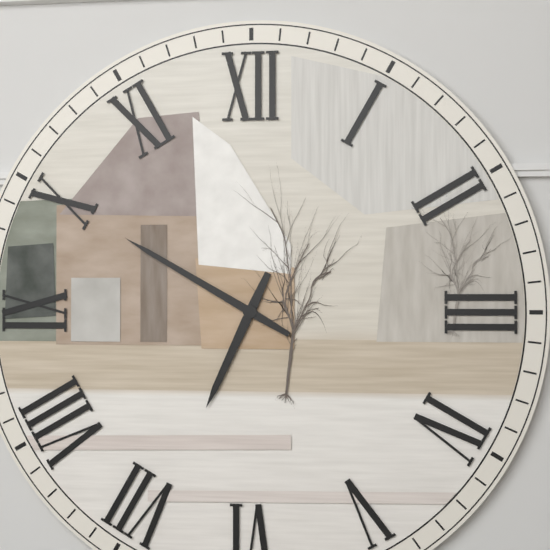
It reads 6 h 50 min
